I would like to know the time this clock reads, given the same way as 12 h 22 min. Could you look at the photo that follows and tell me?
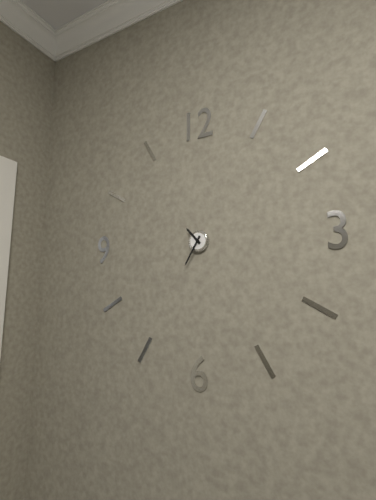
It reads 10 h 35 min
